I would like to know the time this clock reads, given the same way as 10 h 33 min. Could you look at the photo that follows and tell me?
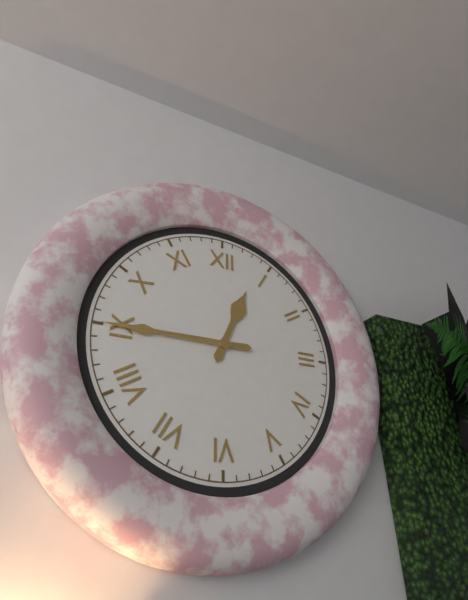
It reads 12 h 45 min
